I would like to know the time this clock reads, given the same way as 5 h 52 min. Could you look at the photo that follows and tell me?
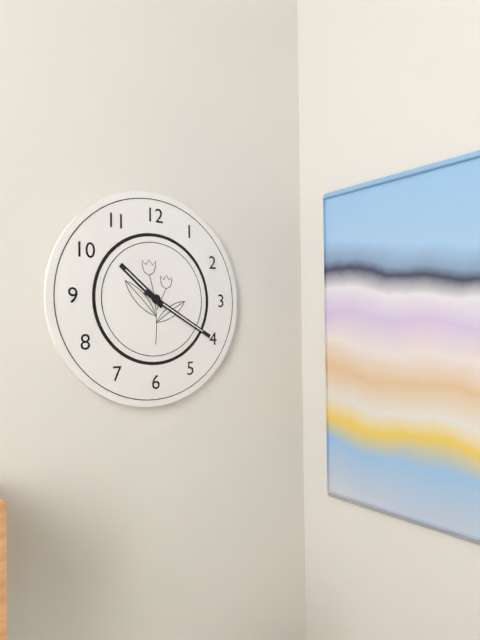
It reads 10 h 20 min
